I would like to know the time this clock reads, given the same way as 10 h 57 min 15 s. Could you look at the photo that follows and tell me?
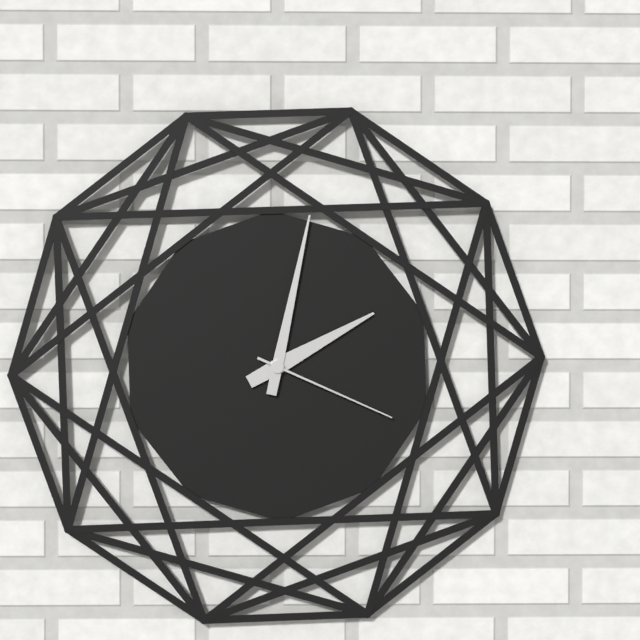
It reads 2 h 02 min 19 s
